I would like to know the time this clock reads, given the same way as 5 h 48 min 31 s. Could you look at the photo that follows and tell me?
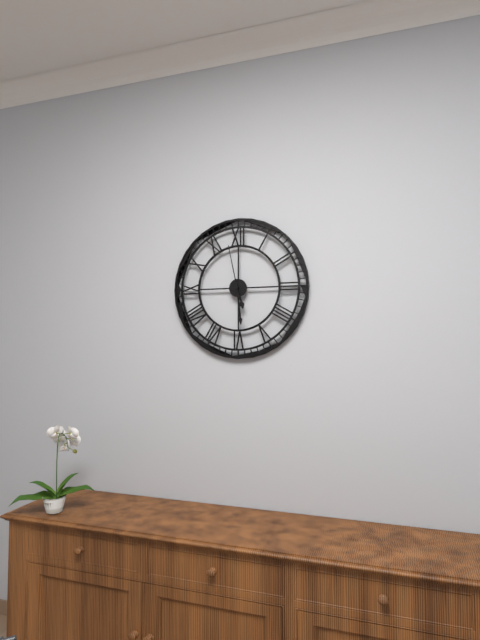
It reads 5 h 29 min 58 s
